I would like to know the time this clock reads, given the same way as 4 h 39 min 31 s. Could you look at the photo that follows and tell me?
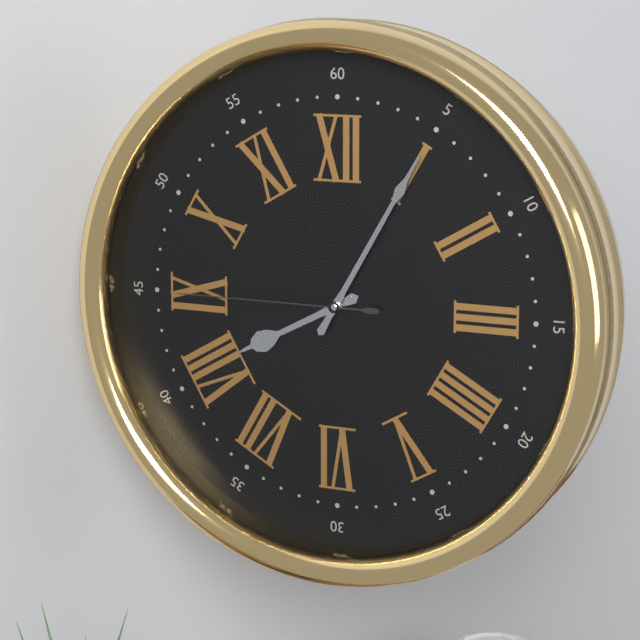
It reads 8 h 05 min 45 s
